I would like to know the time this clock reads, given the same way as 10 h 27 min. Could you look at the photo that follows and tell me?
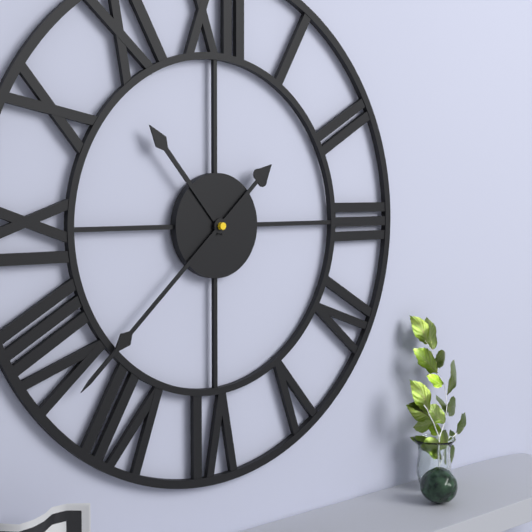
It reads 10 h 38 min
